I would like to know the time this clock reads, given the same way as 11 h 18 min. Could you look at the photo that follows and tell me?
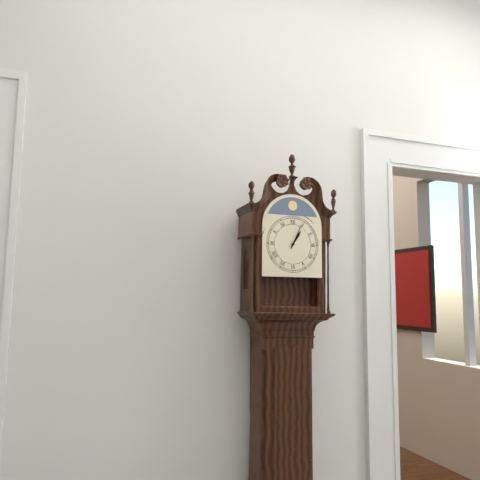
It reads 1 h 04 min
